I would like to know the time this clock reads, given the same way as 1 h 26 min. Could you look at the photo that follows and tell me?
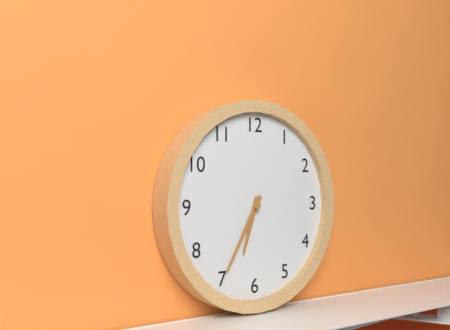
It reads 6 h 35 min
